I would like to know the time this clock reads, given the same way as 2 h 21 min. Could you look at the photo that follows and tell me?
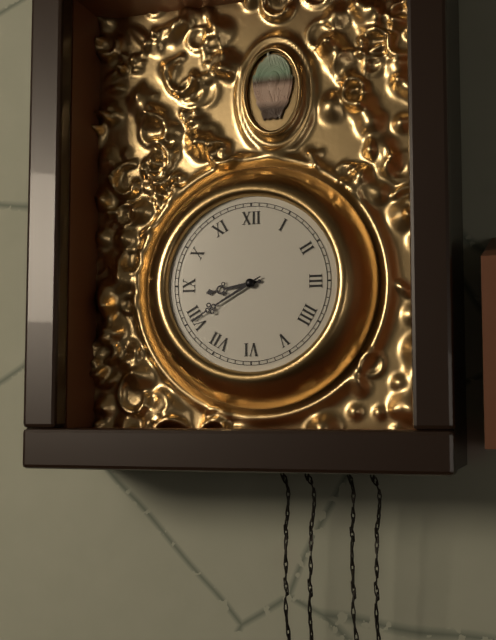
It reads 8 h 40 min
